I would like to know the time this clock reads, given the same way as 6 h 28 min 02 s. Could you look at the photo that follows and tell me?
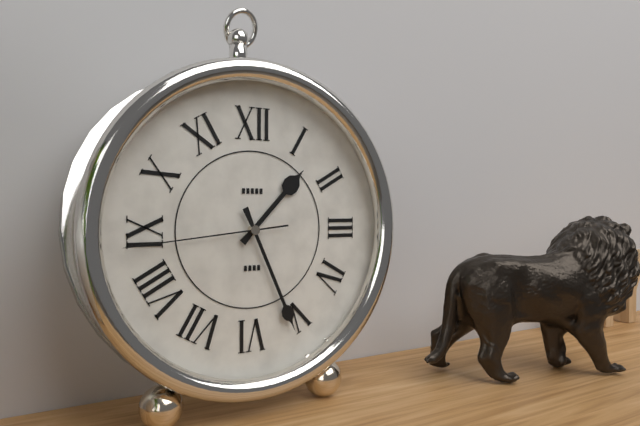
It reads 1 h 26 min 44 s
